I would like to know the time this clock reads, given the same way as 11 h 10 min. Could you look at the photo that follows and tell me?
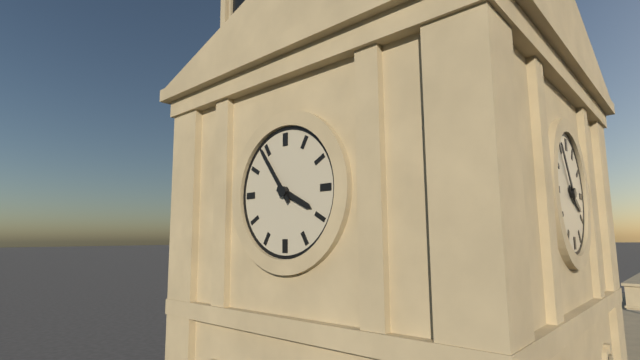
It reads 3 h 54 min
